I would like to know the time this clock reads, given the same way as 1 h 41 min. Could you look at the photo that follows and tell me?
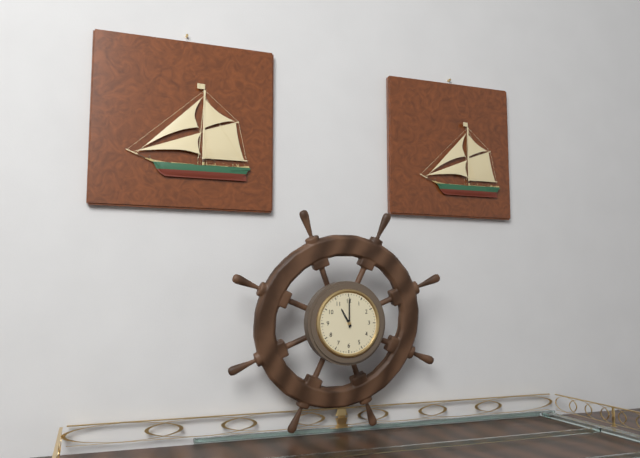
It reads 11 h 00 min
